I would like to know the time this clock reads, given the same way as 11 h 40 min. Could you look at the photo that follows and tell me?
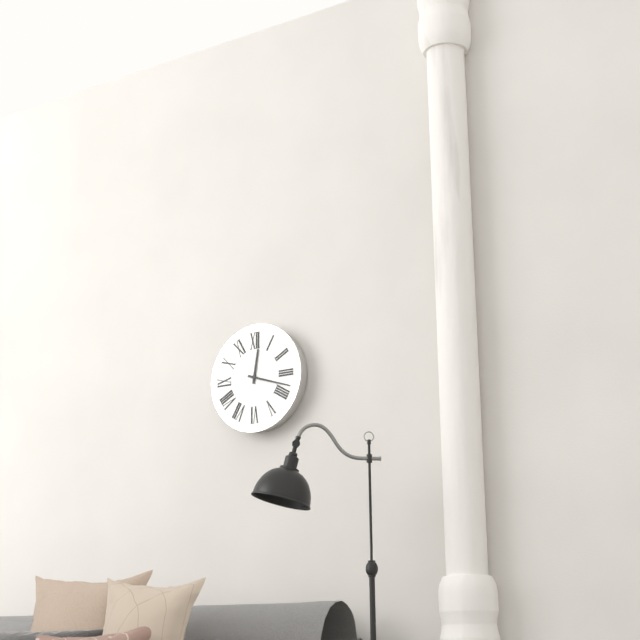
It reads 12 h 18 min
